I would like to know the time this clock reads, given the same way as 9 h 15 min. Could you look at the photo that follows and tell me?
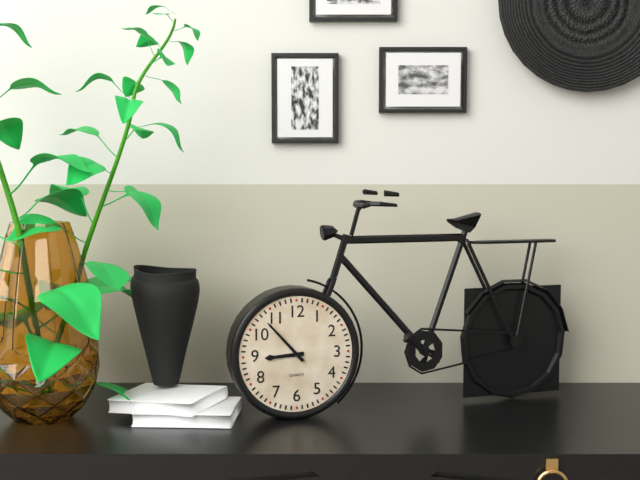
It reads 8 h 53 min
